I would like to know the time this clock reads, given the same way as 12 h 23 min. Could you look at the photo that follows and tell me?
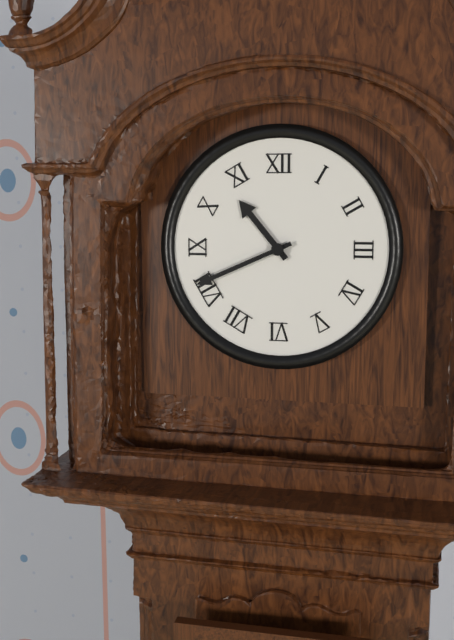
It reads 10 h 41 min
